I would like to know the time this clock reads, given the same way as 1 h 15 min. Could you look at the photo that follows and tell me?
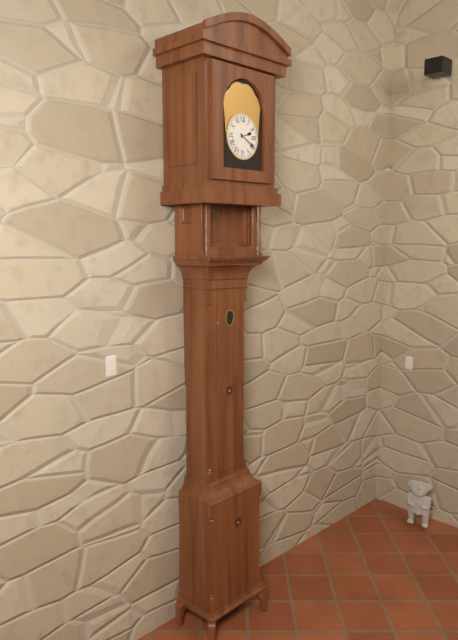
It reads 2 h 20 min
